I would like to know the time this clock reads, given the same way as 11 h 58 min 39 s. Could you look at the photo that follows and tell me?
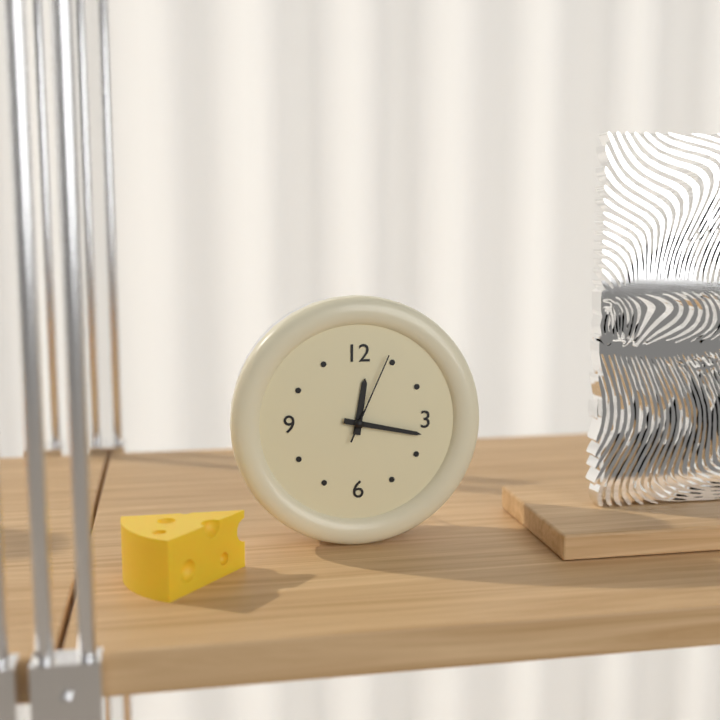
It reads 12 h 17 min 04 s
